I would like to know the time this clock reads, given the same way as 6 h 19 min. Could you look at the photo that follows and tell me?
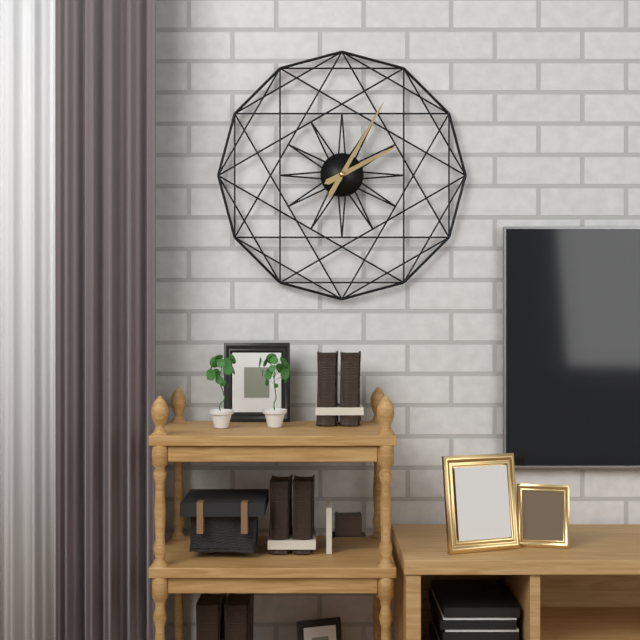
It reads 2 h 05 min
